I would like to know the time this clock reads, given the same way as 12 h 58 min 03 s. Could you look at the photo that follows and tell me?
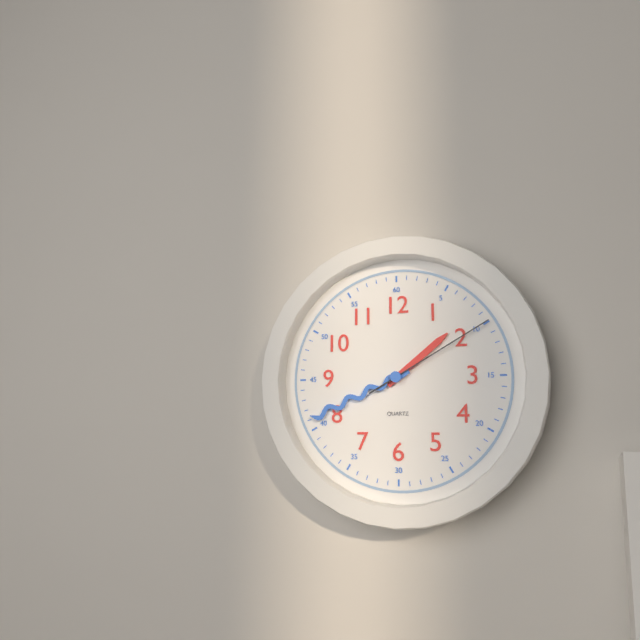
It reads 1 h 41 min 10 s
